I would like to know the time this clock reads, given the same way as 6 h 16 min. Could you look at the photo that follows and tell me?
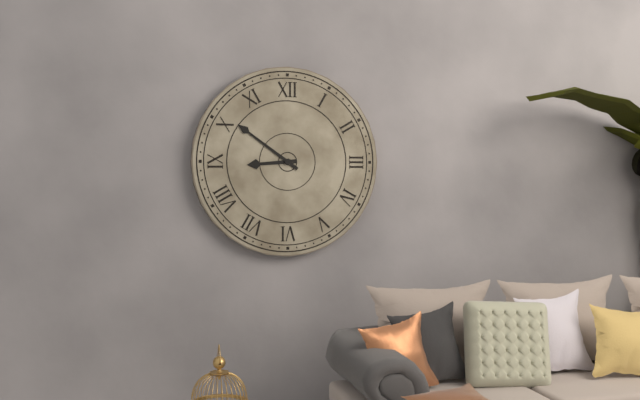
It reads 8 h 51 min
